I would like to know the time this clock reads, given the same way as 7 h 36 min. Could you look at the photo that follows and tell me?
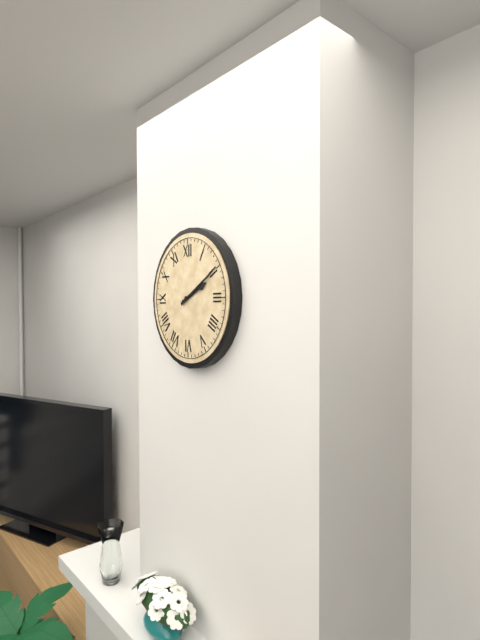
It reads 2 h 10 min
